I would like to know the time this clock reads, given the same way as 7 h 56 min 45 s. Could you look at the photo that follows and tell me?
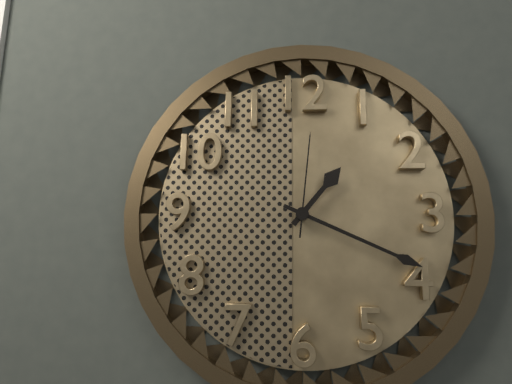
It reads 1 h 19 min 01 s
